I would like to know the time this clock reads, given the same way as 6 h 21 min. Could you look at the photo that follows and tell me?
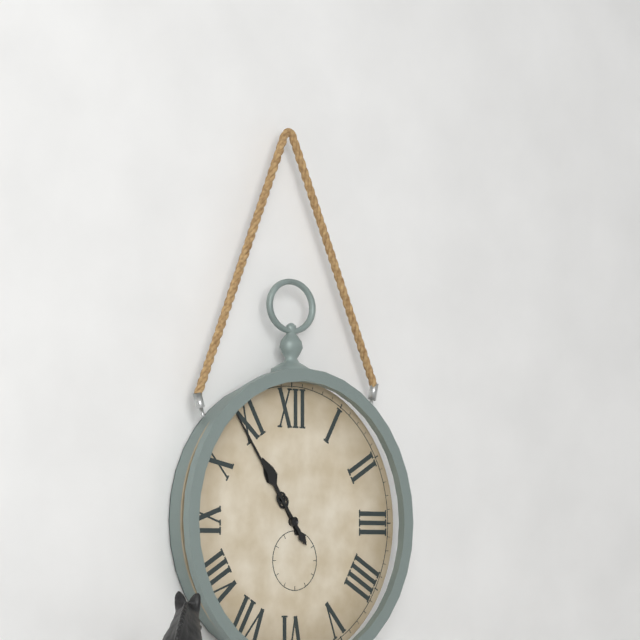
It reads 10 h 54 min
